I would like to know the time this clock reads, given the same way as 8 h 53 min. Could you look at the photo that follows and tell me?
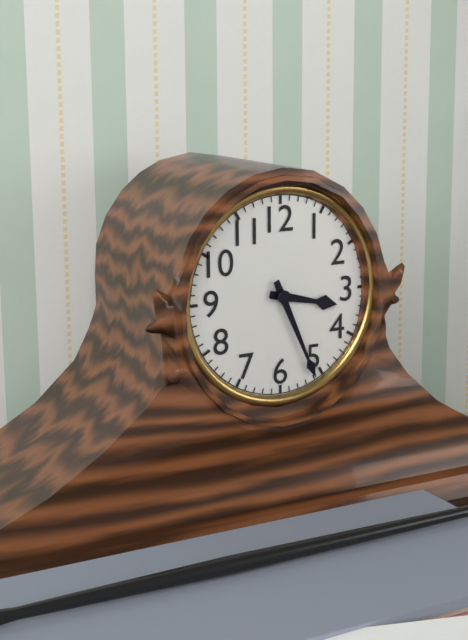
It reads 3 h 26 min
